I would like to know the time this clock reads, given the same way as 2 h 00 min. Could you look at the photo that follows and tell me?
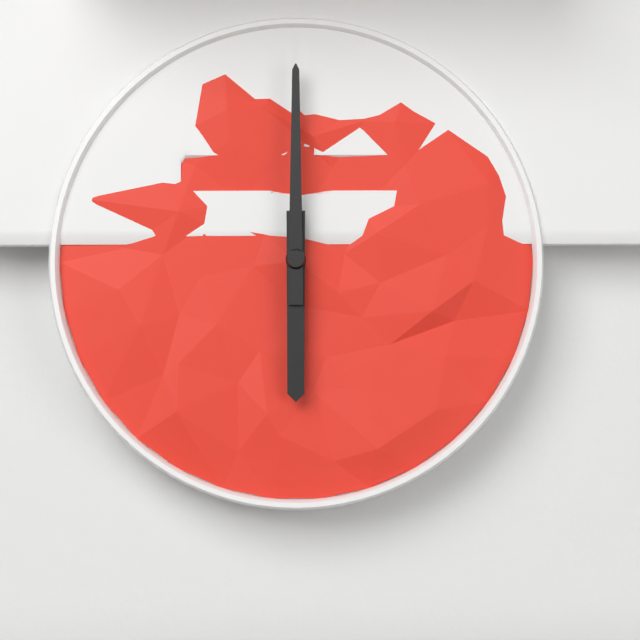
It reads 6 h 00 min
